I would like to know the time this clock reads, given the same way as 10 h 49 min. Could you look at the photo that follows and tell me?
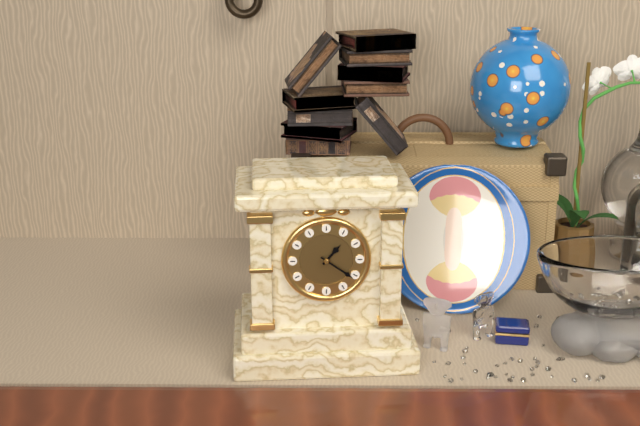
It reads 1 h 21 min
